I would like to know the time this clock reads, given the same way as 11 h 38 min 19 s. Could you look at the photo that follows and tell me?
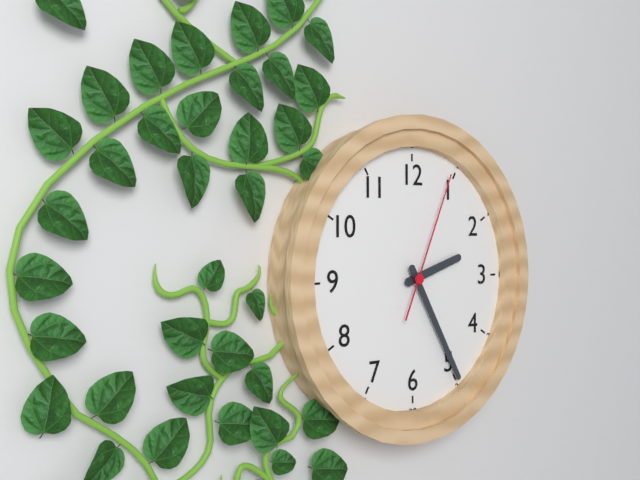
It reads 2 h 25 min 04 s
